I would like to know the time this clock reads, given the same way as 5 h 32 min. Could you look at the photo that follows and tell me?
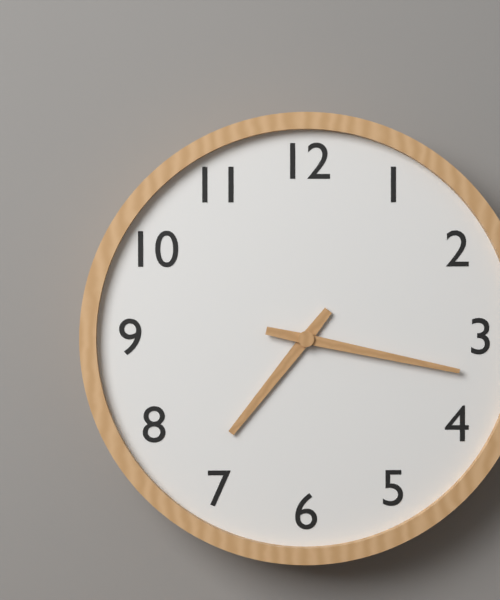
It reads 7 h 17 min
